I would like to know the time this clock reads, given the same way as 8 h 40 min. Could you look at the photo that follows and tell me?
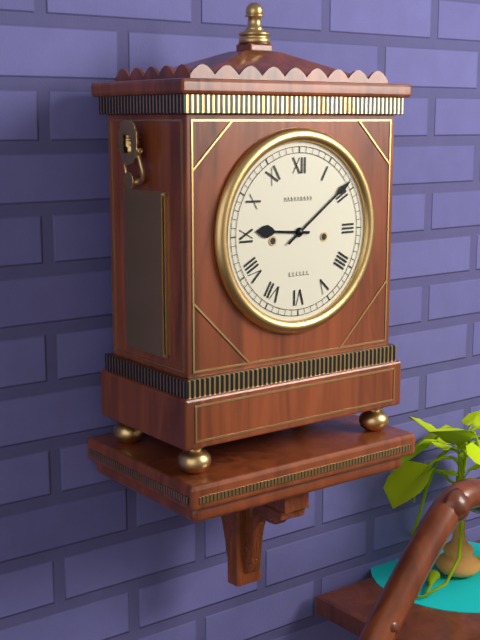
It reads 9 h 09 min
